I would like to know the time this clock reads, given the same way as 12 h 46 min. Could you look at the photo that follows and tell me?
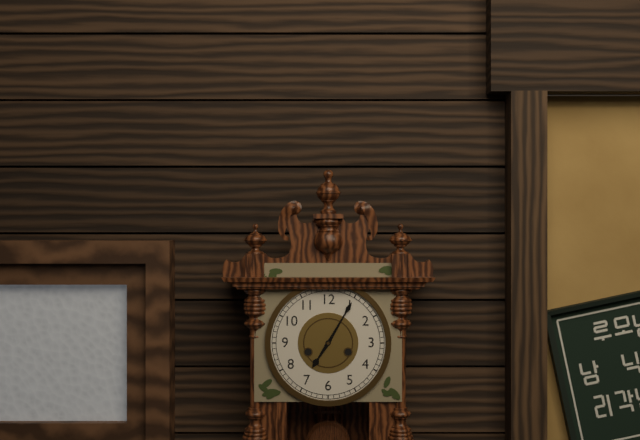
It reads 7 h 05 min
